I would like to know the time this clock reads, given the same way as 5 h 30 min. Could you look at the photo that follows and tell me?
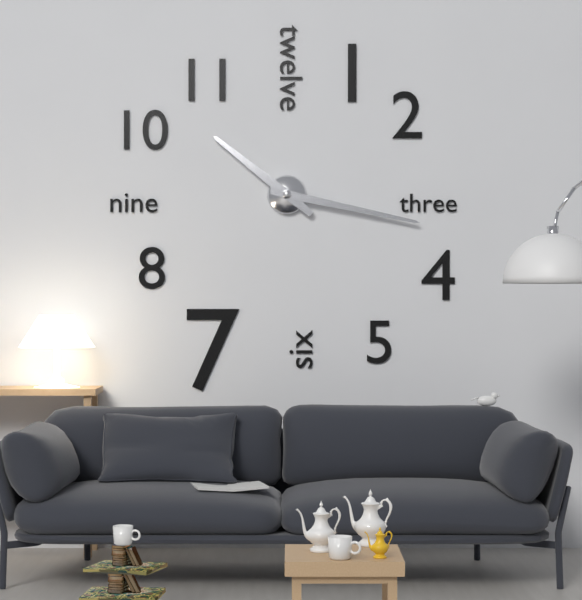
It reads 10 h 17 min
